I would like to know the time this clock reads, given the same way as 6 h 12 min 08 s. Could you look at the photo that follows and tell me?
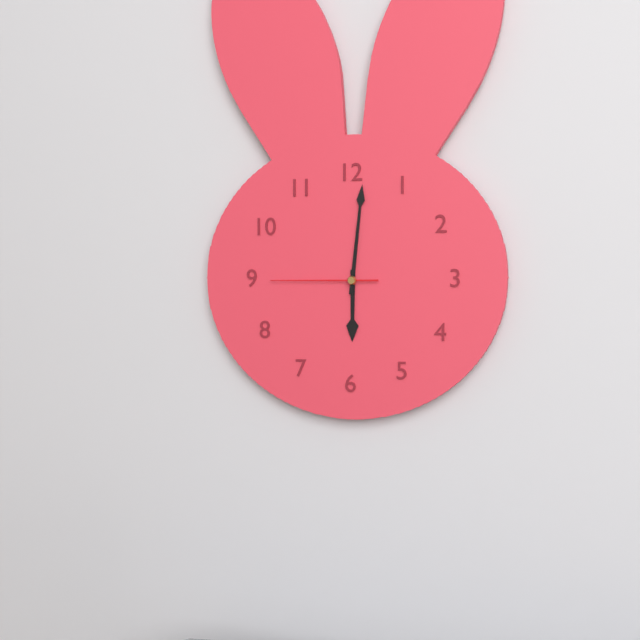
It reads 6 h 01 min 45 s
